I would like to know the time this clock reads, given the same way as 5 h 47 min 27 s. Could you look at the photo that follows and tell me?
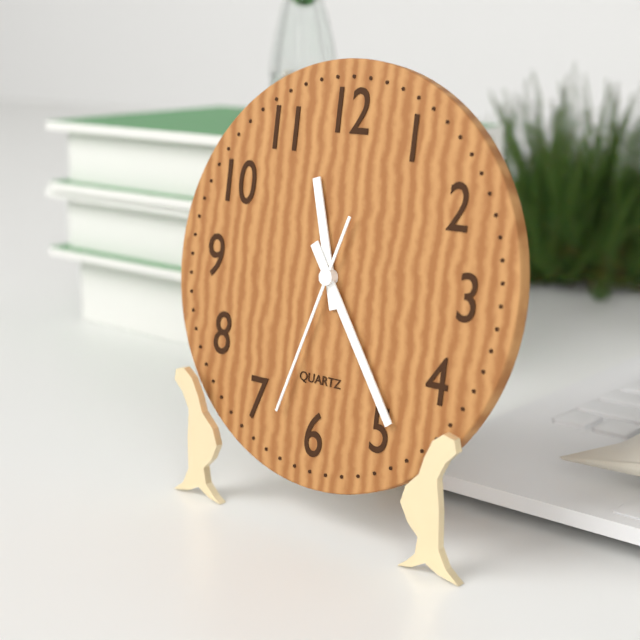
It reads 11 h 24 min 33 s
